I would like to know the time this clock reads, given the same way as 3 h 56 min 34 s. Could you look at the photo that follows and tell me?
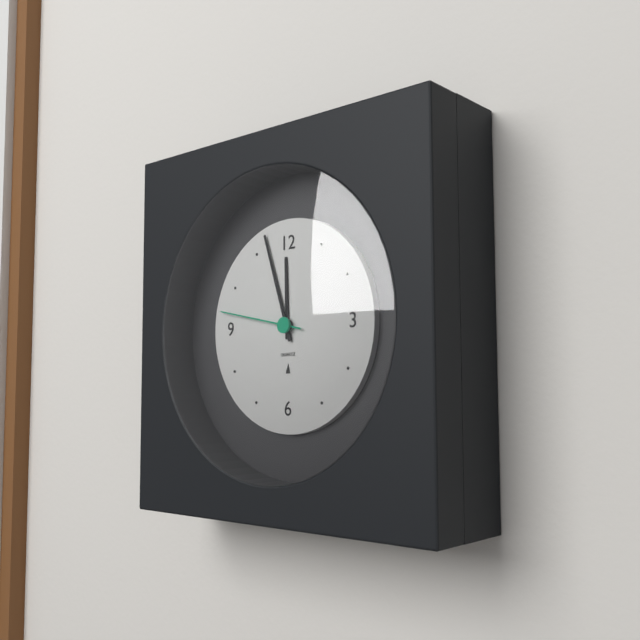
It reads 11 h 57 min 47 s
